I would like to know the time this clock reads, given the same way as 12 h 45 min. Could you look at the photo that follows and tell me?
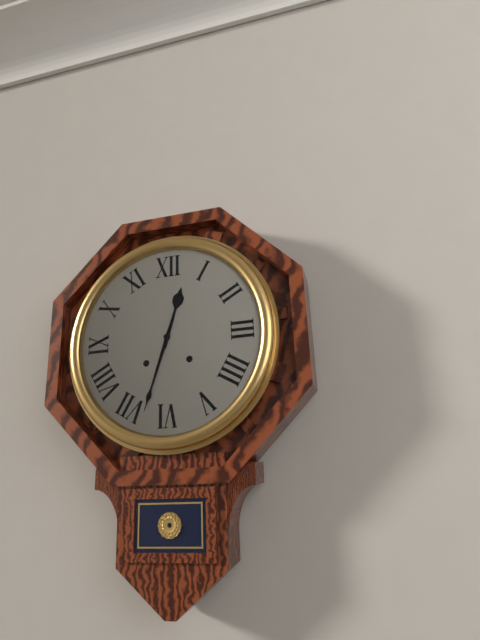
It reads 12 h 33 min
